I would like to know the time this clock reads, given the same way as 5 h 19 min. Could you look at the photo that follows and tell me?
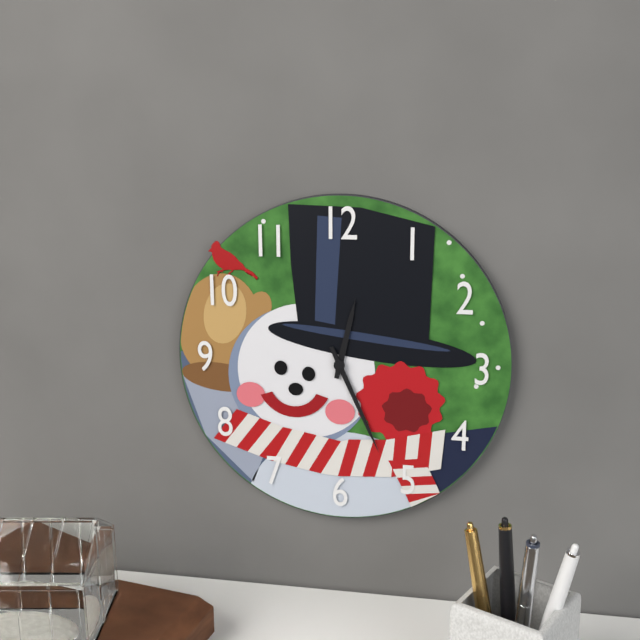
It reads 12 h 26 min
